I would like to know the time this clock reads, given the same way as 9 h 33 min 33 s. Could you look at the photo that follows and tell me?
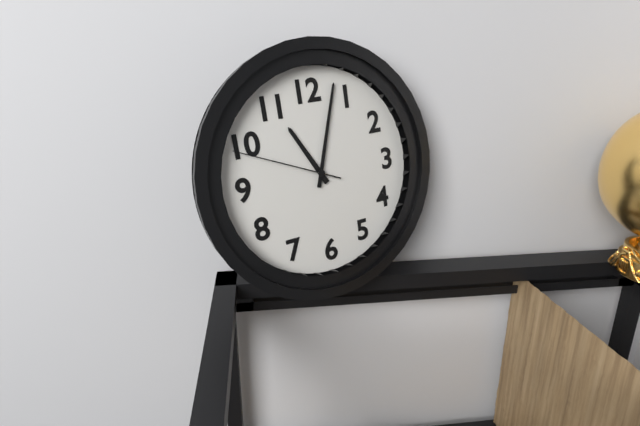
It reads 11 h 03 min 49 s
